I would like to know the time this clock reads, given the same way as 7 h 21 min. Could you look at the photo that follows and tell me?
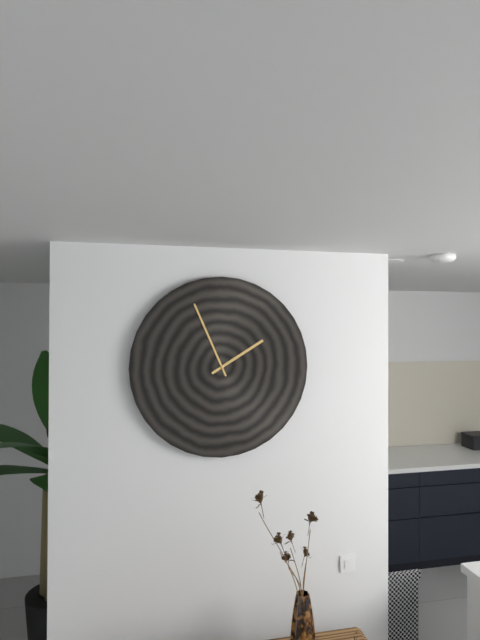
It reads 1 h 56 min
